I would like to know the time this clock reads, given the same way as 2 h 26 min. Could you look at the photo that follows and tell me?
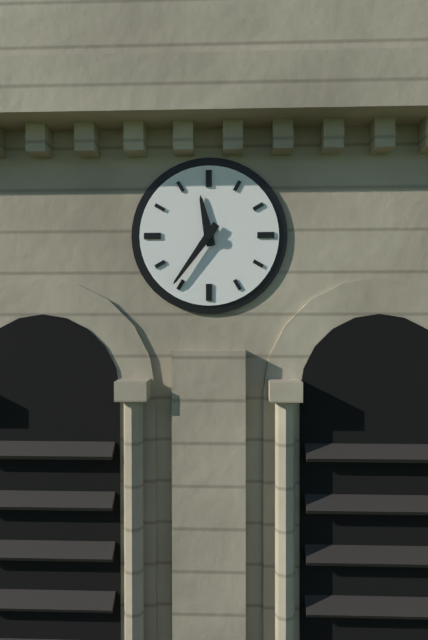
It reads 11 h 36 min
